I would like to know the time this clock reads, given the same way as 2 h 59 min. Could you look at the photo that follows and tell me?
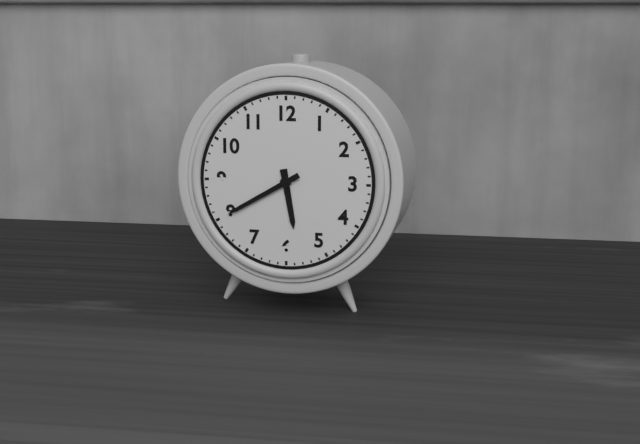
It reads 5 h 40 min
